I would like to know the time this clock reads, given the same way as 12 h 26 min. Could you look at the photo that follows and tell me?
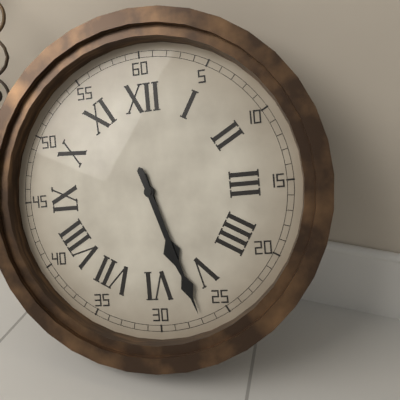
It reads 5 h 27 min
